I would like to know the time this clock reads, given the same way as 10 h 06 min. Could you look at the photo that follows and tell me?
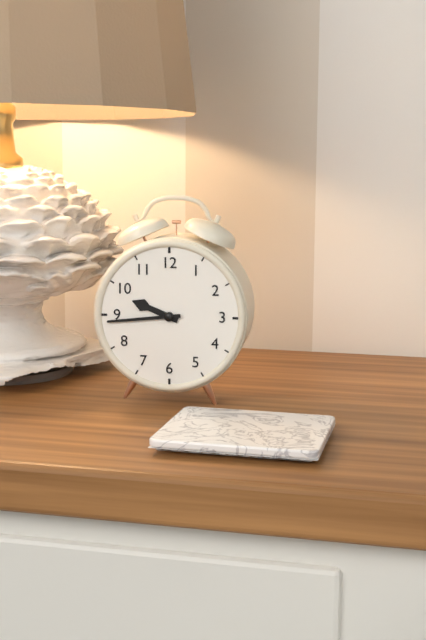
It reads 9 h 44 min
